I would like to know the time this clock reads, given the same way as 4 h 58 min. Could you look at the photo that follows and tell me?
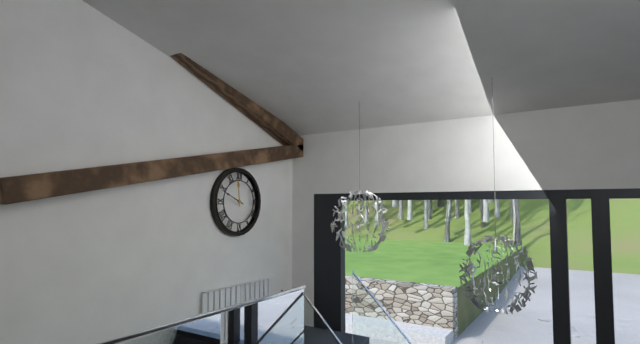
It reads 11 h 49 min
